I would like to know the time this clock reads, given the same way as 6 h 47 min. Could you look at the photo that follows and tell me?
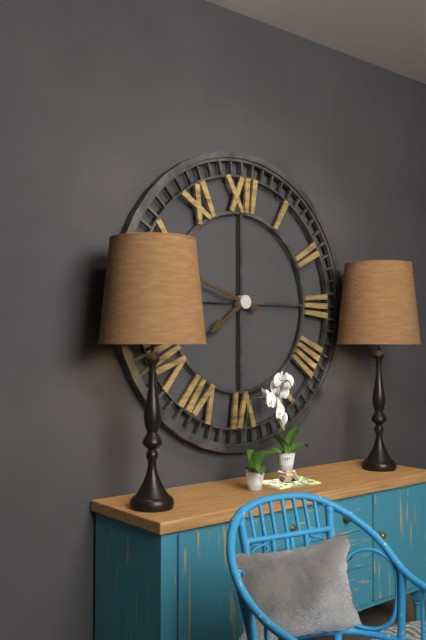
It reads 7 h 48 min
